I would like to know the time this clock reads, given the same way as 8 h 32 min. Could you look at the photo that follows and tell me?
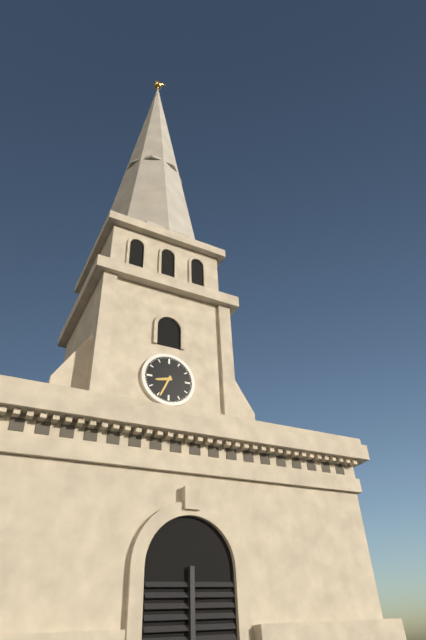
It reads 8 h 34 min
